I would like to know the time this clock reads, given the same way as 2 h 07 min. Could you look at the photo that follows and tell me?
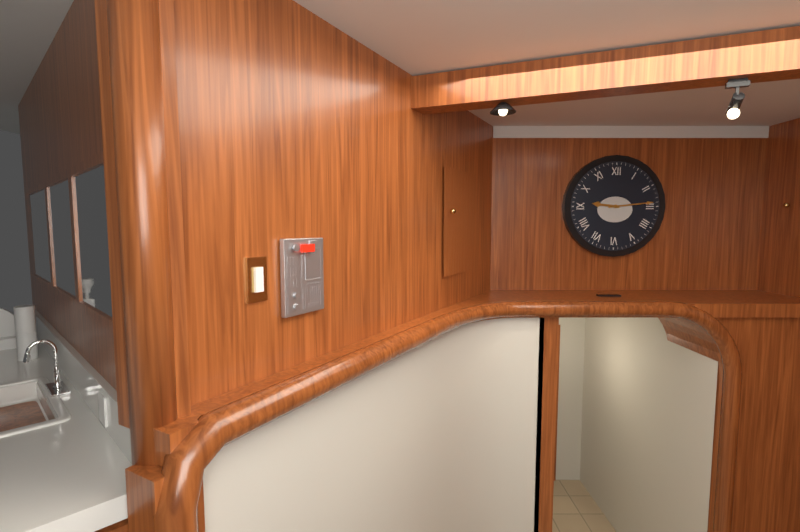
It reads 9 h 14 min
